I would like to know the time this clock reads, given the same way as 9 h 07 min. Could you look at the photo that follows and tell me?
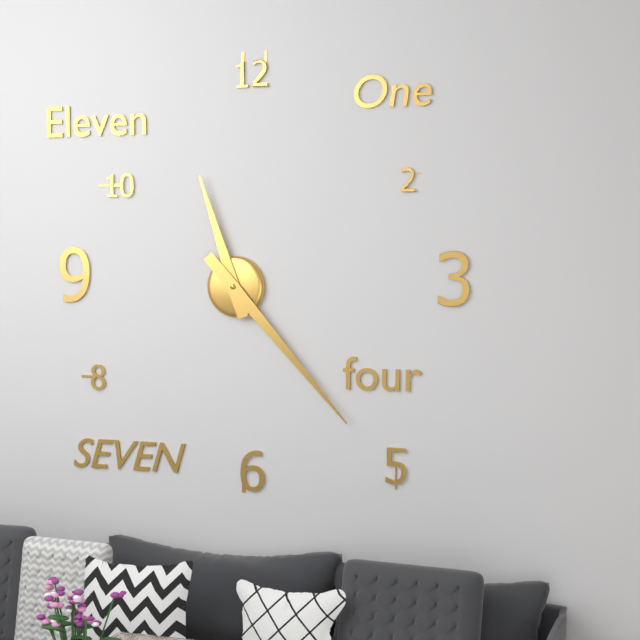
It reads 11 h 23 min
